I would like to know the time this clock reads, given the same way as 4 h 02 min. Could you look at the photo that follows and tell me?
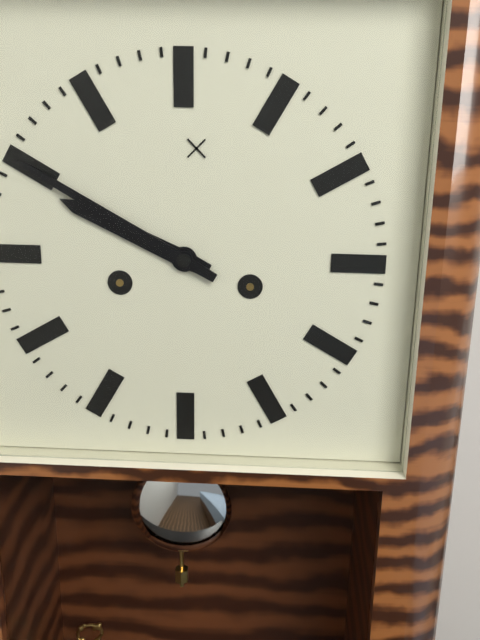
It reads 9 h 50 min
